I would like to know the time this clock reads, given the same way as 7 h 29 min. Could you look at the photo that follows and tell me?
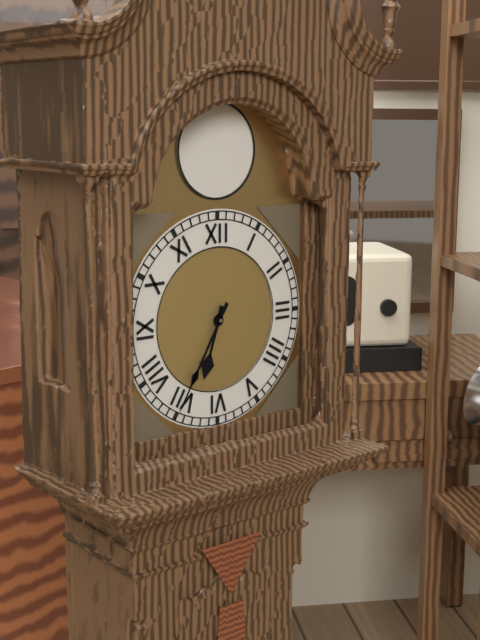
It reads 6 h 35 min
